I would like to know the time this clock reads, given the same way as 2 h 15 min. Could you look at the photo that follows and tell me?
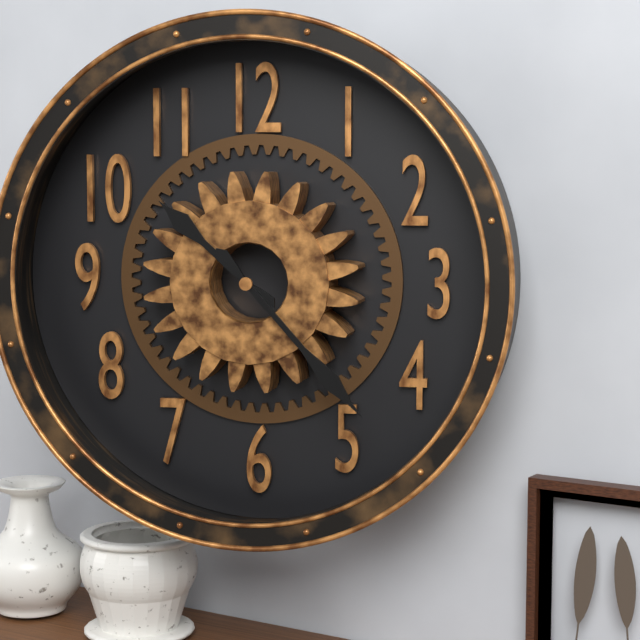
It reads 10 h 23 min
